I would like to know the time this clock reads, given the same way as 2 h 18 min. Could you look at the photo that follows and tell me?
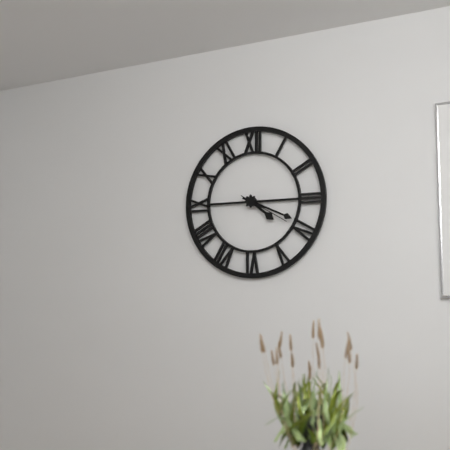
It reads 4 h 19 min
